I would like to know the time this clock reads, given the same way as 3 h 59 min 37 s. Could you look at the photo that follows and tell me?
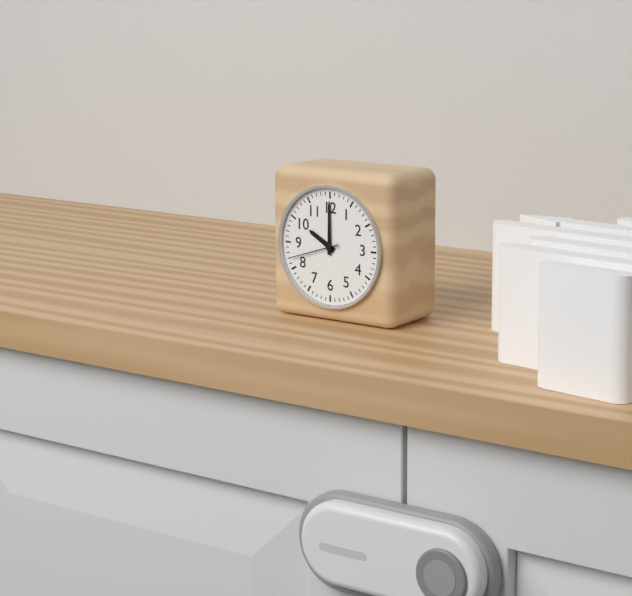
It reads 10 h 00 min 42 s
